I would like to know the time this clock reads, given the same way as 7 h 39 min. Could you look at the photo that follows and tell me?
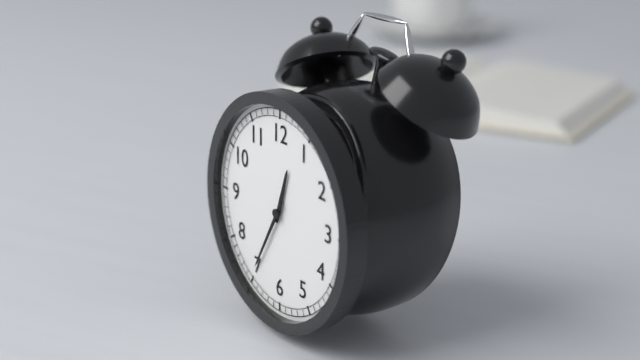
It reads 12 h 35 min
